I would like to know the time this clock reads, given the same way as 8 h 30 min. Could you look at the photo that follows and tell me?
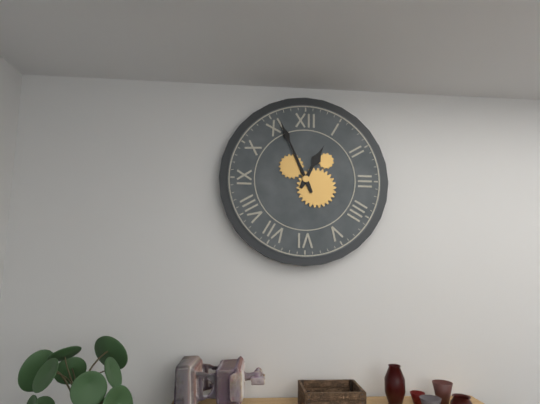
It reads 12 h 56 min
